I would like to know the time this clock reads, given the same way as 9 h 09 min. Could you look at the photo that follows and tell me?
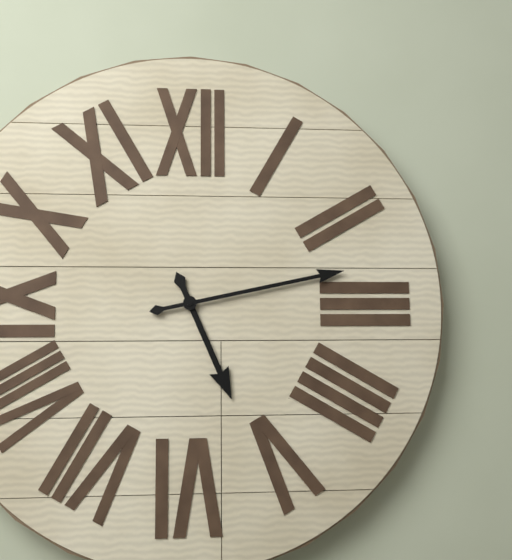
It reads 5 h 13 min
